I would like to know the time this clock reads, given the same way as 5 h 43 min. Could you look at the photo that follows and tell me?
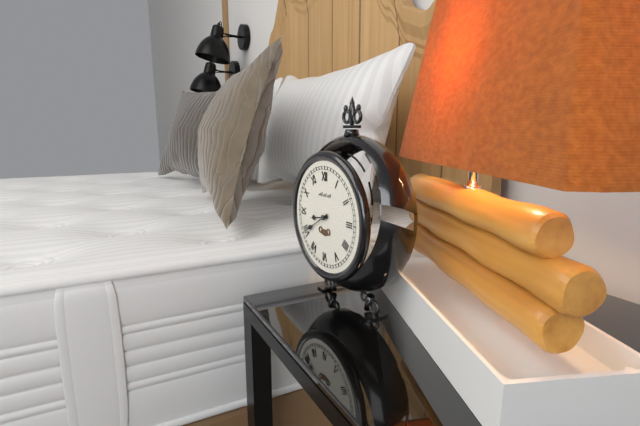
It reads 8 h 40 min
